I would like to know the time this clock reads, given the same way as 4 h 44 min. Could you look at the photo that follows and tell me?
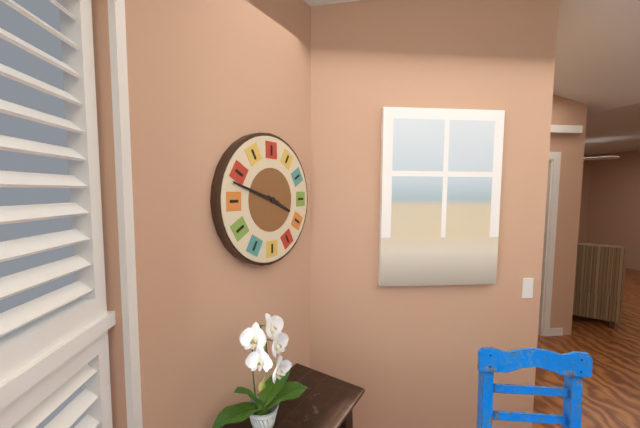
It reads 3 h 48 min
